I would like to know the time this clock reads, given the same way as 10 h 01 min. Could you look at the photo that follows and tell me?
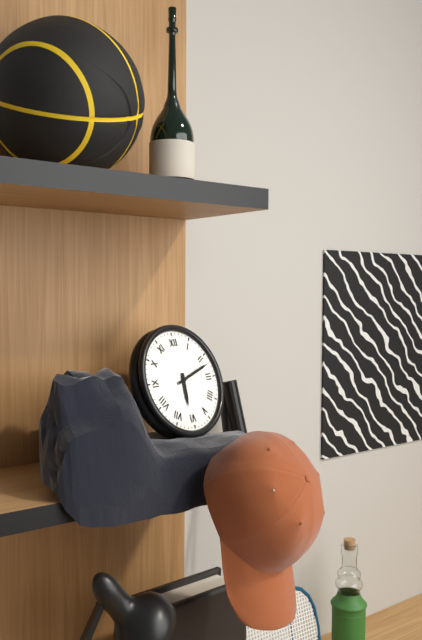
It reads 6 h 12 min
